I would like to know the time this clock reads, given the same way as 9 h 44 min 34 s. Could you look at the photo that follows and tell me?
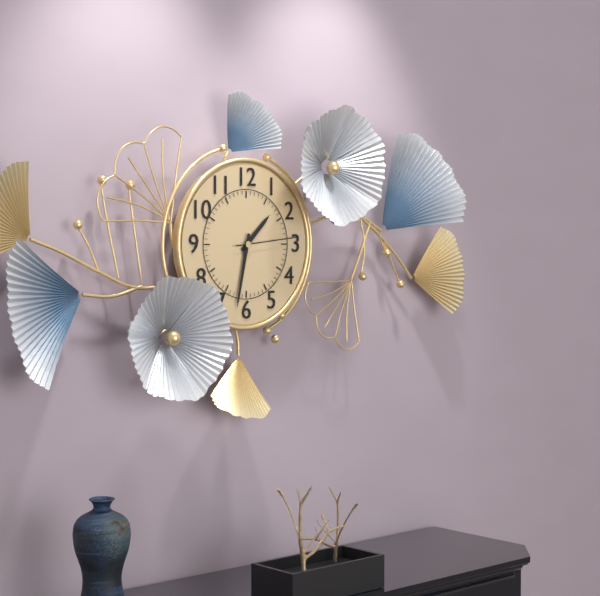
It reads 1 h 32 min 14 s
